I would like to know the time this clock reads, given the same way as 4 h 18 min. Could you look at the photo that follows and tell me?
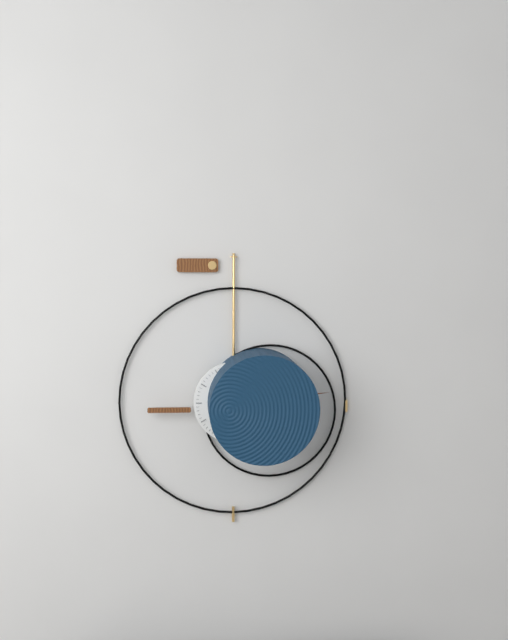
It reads 4 h 14 min
